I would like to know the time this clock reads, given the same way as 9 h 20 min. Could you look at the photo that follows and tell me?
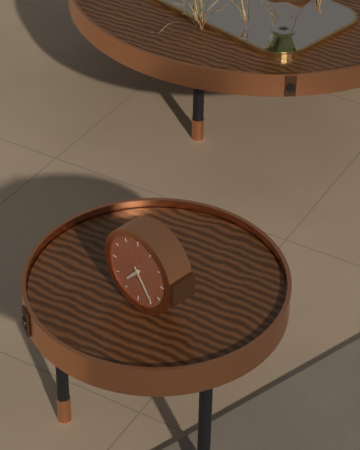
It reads 7 h 24 min
